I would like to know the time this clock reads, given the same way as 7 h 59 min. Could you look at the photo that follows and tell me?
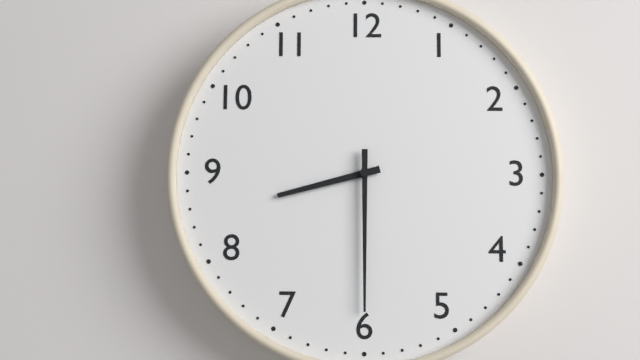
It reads 8 h 30 min
